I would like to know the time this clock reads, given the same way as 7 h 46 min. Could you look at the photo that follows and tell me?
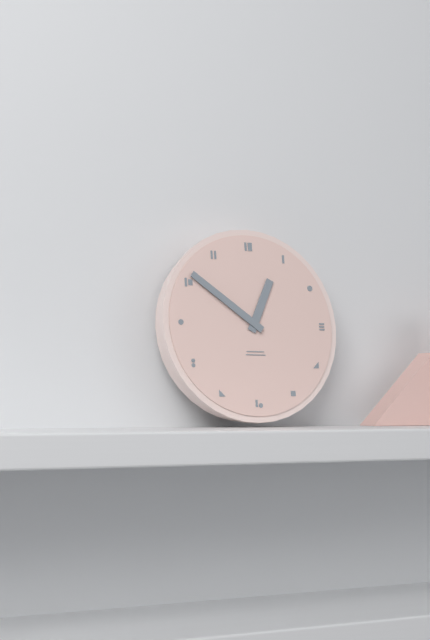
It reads 12 h 51 min
